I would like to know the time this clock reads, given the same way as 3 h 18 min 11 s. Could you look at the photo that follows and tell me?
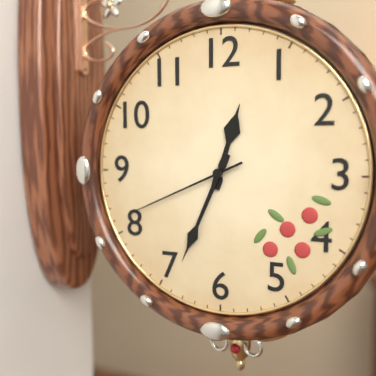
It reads 12 h 34 min 41 s
